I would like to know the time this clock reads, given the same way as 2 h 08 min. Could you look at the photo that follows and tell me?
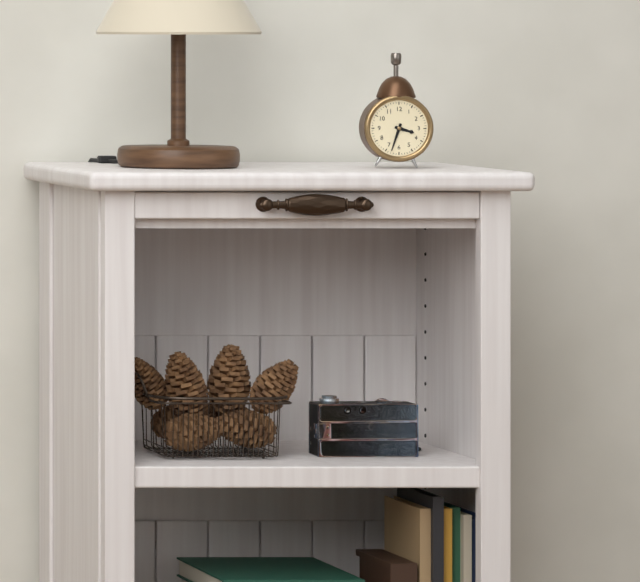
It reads 3 h 33 min
